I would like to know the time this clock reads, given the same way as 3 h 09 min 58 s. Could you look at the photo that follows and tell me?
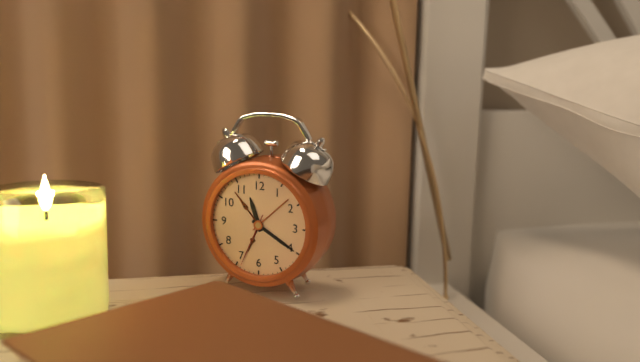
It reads 11 h 20 min 34 s
